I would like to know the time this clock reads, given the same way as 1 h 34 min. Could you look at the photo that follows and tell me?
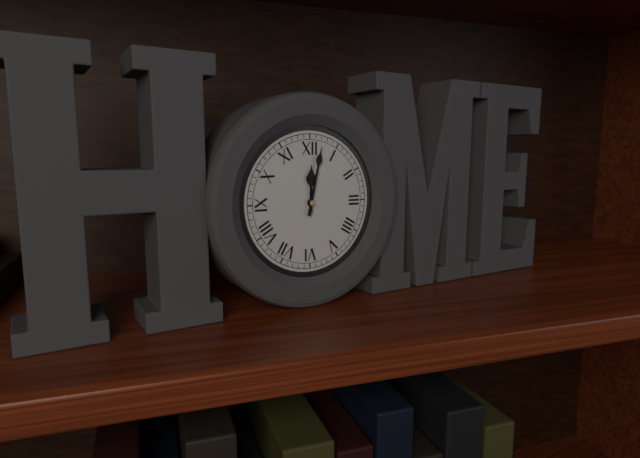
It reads 12 h 02 min
